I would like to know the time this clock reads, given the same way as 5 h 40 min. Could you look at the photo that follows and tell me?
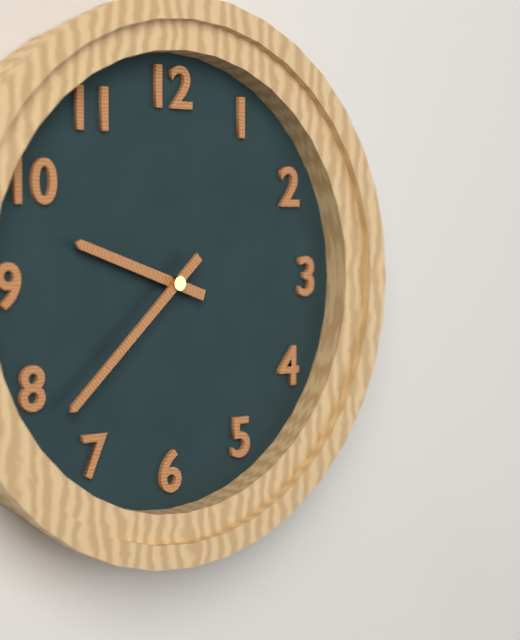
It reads 9 h 38 min
